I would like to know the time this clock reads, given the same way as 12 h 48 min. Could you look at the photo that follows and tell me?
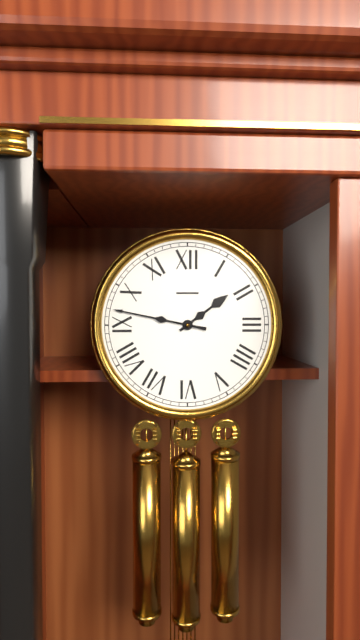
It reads 1 h 47 min
